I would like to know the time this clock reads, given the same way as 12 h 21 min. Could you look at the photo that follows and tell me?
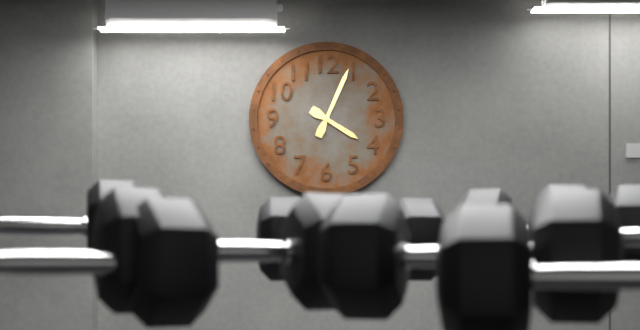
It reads 4 h 04 min
